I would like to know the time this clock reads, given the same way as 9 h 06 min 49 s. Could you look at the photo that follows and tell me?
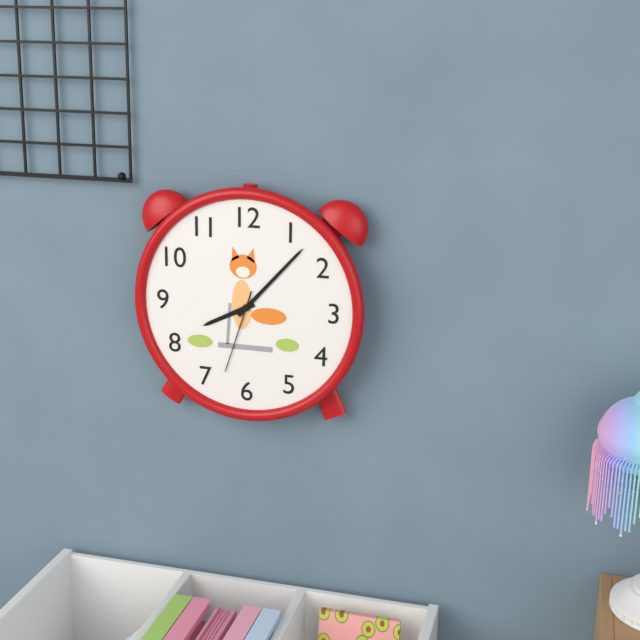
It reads 8 h 07 min 33 s
